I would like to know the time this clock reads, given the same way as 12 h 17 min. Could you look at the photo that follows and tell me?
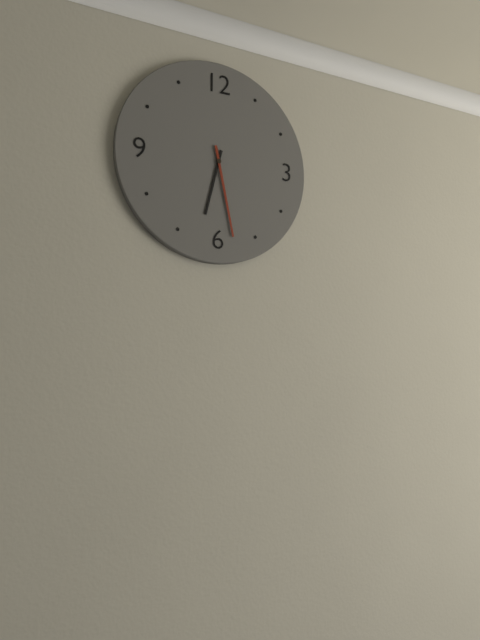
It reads 6 h 28 min
